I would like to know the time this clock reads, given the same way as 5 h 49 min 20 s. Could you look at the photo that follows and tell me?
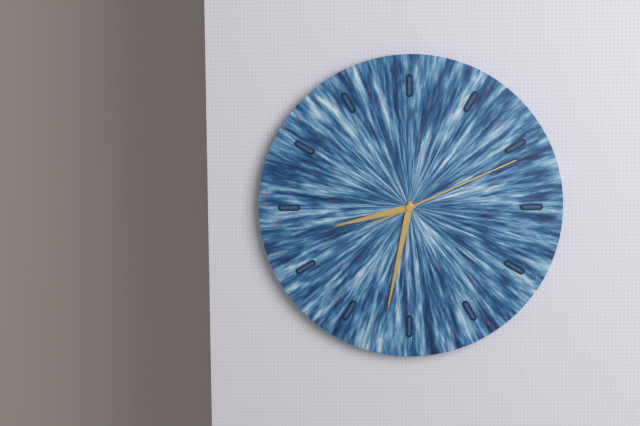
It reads 8 h 32 min 11 s
